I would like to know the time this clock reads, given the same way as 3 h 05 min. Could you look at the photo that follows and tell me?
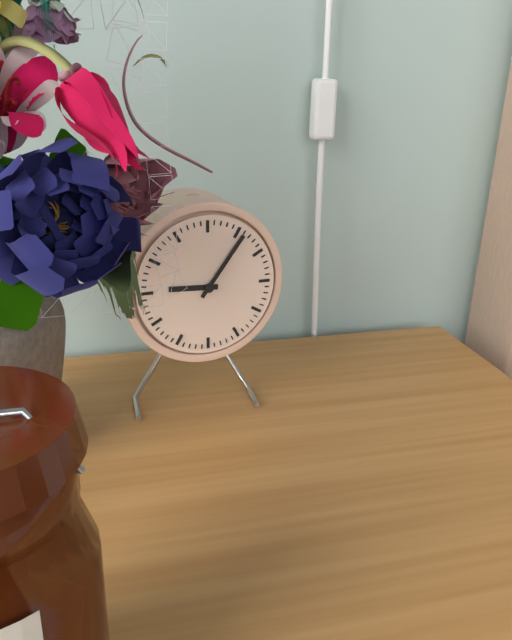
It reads 9 h 06 min
